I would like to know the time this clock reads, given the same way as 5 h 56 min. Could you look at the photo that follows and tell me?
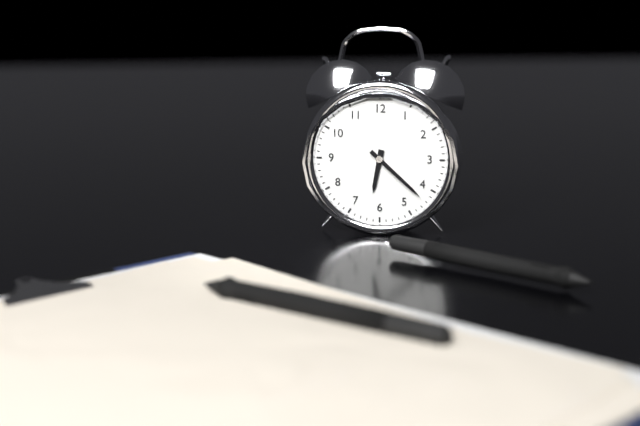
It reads 6 h 22 min
